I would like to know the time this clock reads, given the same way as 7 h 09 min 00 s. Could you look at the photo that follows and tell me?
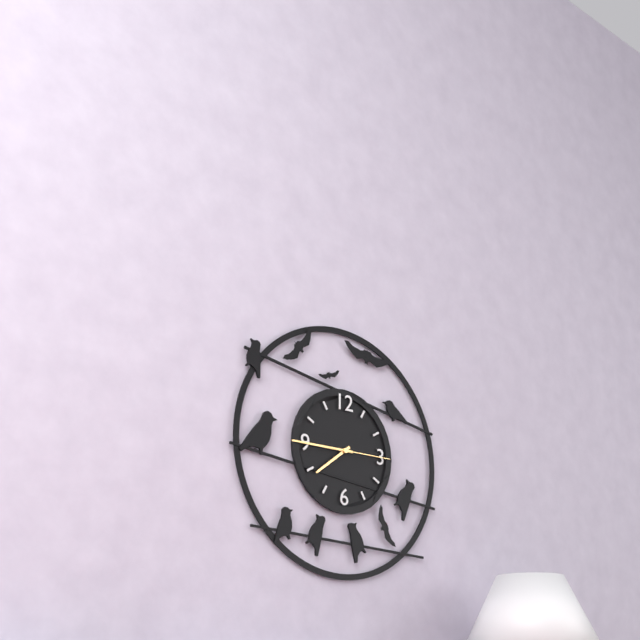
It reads 7 h 45 min 15 s
